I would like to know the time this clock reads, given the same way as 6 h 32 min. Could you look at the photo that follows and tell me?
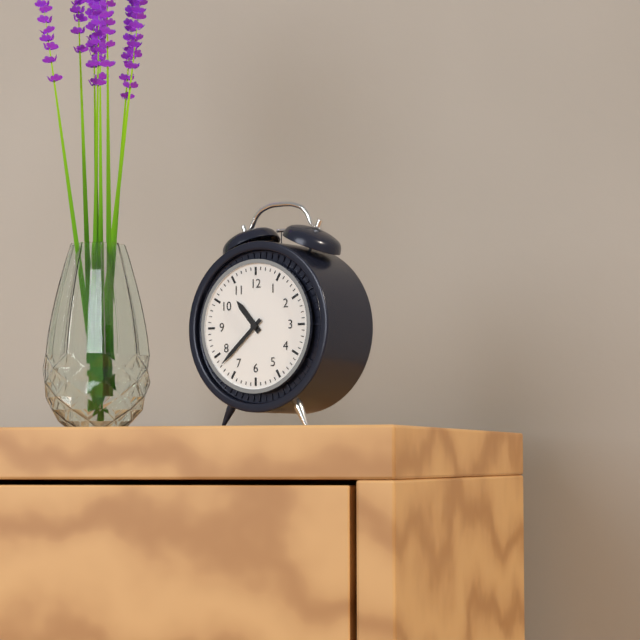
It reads 10 h 38 min
